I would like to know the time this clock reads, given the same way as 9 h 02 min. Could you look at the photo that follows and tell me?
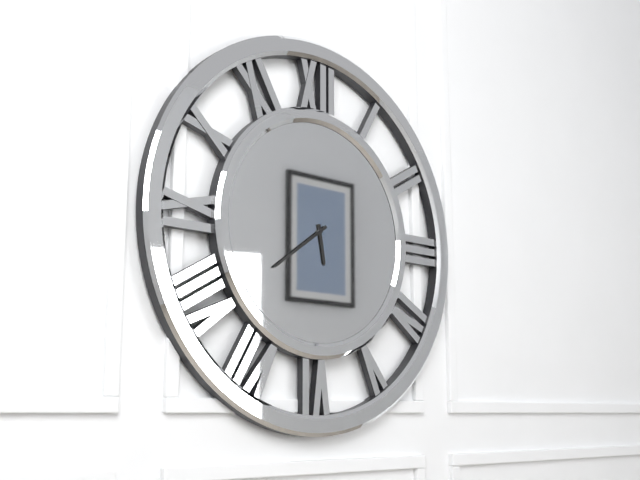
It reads 5 h 39 min
